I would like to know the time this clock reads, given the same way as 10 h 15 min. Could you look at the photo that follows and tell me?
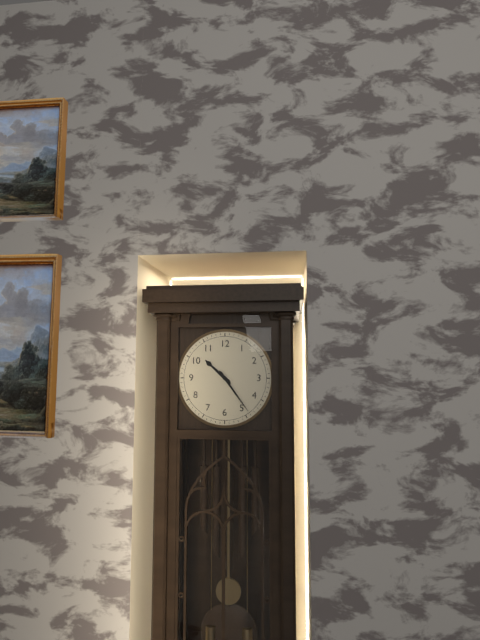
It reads 10 h 24 min
